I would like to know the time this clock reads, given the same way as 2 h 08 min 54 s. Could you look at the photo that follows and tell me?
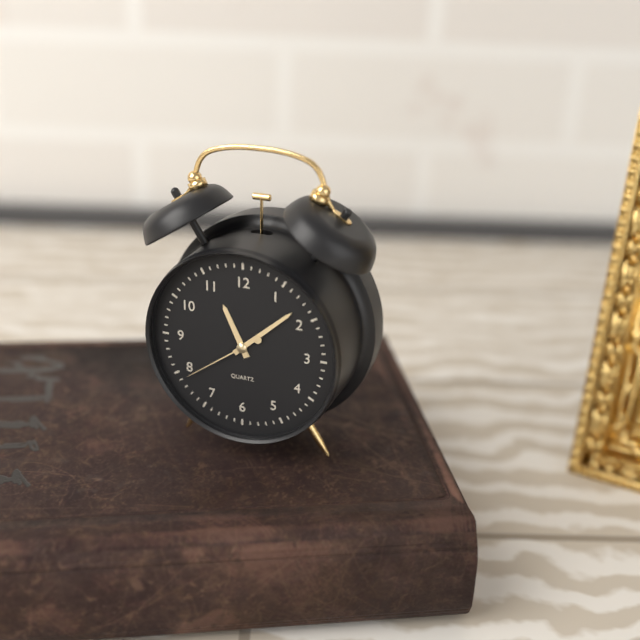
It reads 11 h 08 min 39 s
